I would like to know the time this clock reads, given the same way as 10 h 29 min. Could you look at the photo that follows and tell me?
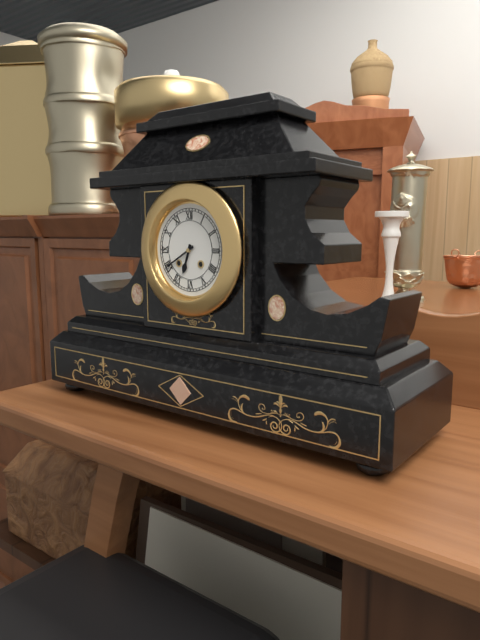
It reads 6 h 40 min
